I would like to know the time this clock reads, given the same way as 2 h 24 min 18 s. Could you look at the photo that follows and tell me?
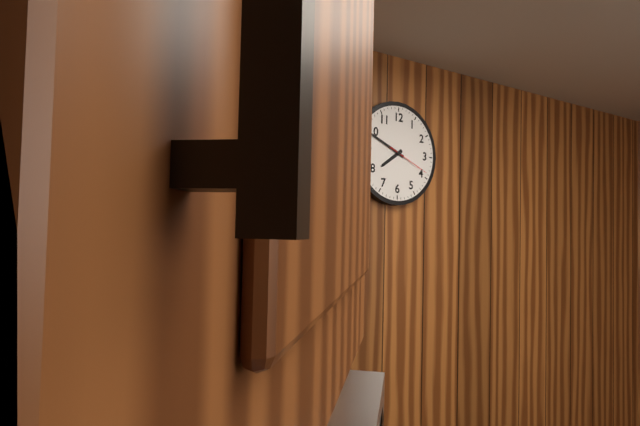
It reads 7 h 49 min 19 s
